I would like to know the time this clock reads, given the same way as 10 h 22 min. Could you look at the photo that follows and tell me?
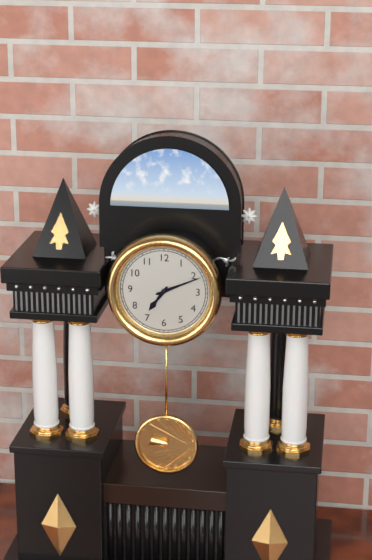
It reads 7 h 11 min
